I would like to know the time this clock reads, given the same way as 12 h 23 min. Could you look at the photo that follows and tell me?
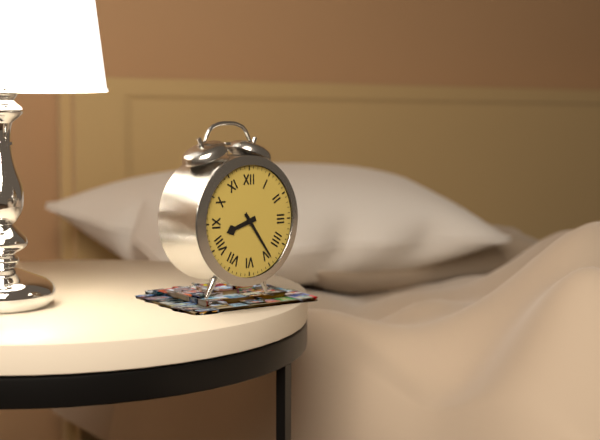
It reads 8 h 24 min
